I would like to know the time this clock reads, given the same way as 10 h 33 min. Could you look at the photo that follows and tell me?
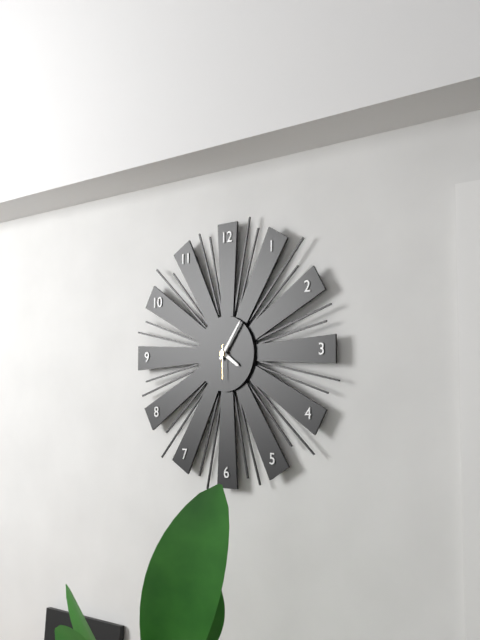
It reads 4 h 06 min
